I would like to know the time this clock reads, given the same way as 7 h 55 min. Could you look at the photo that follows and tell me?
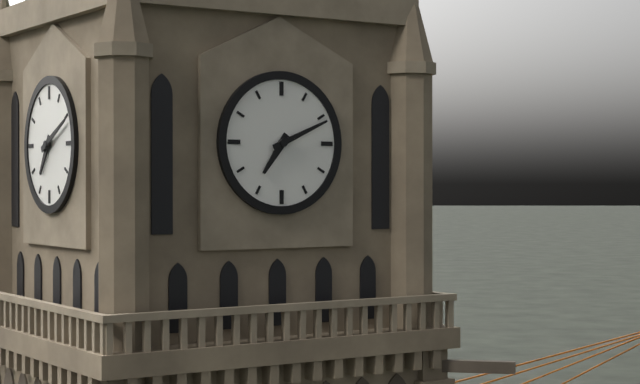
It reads 7 h 11 min
